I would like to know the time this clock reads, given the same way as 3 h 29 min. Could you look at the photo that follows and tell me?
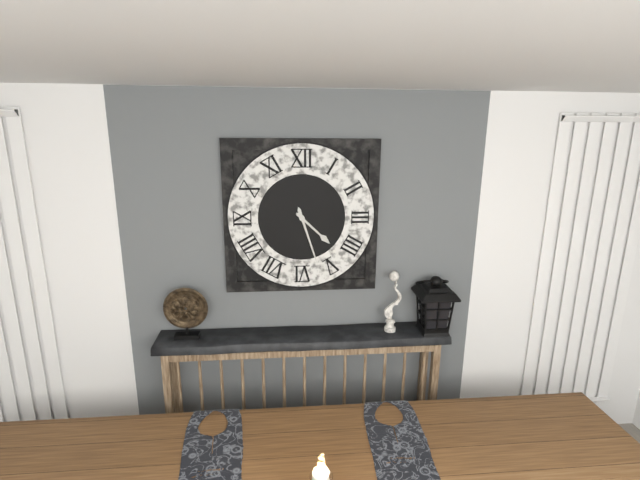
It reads 4 h 27 min
